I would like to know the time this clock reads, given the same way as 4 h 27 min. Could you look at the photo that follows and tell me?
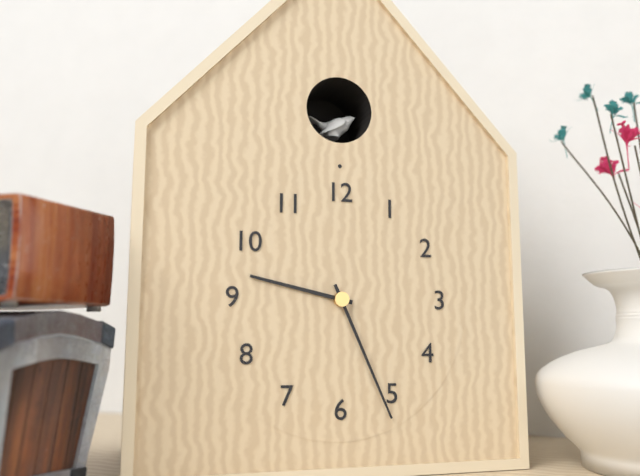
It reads 9 h 26 min
